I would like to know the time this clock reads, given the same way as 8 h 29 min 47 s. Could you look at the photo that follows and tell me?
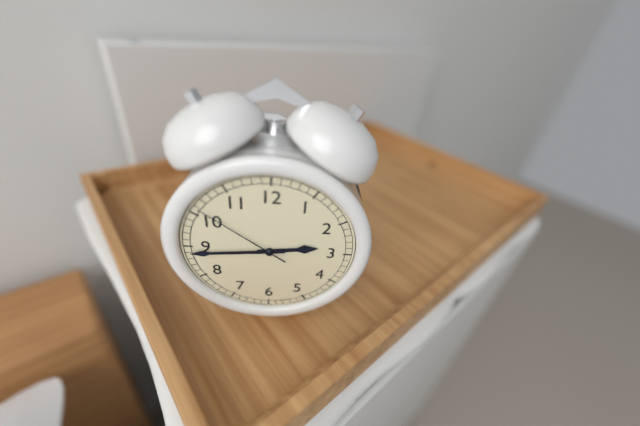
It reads 2 h 44 min 51 s
